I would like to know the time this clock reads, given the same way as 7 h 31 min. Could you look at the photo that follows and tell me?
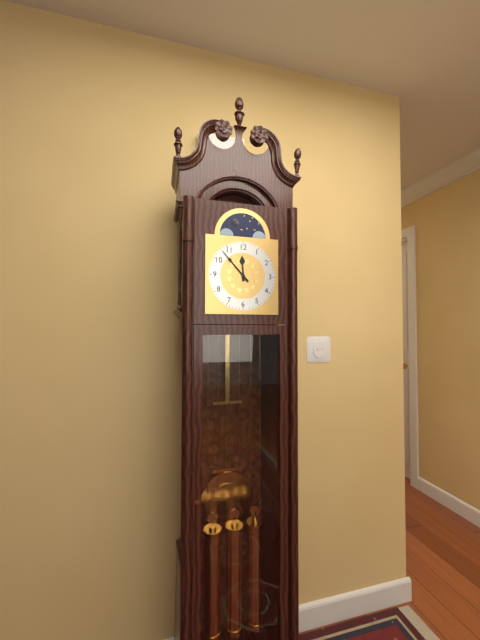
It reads 11 h 53 min
